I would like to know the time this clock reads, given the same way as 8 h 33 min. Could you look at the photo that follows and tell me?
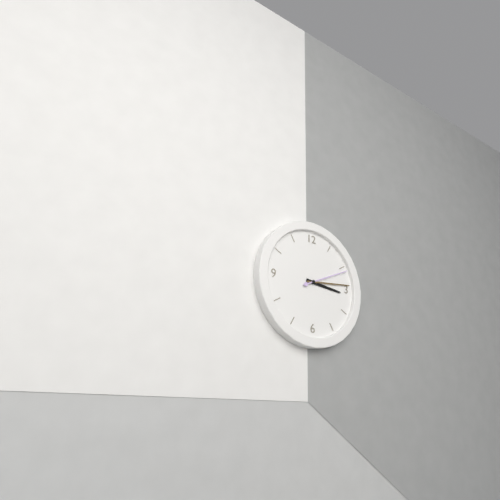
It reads 3 h 14 min
